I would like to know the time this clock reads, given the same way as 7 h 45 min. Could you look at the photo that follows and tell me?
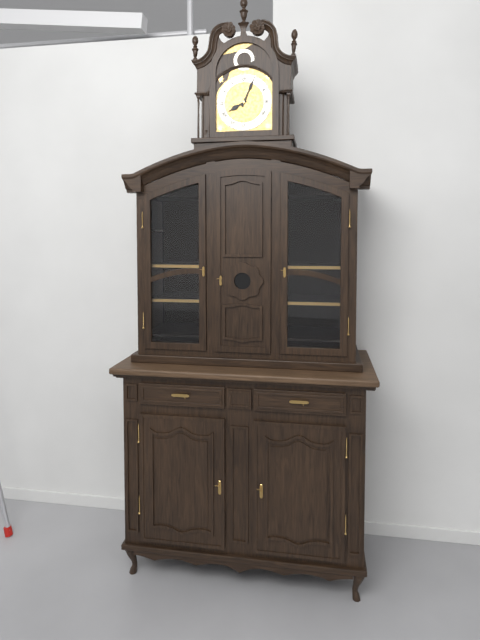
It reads 8 h 04 min
